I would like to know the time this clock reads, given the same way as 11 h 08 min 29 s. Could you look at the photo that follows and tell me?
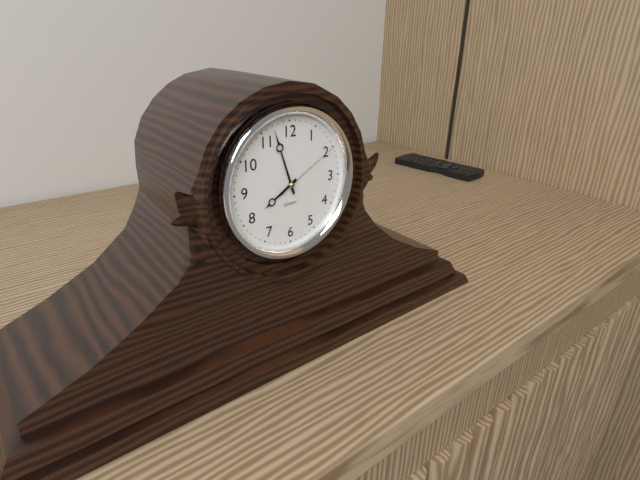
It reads 7 h 57 min 10 s
